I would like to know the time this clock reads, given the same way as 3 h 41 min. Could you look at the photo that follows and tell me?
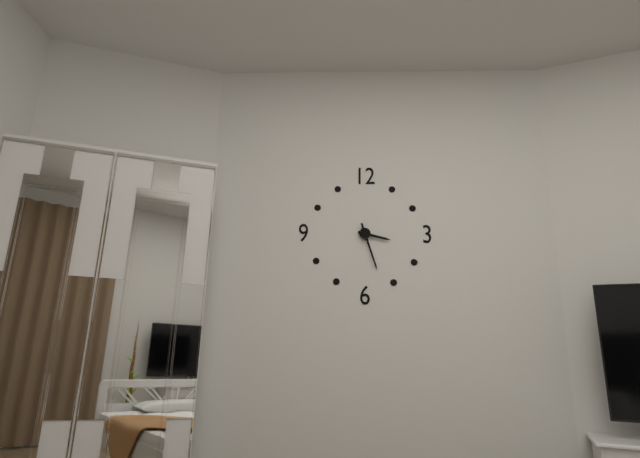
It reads 3 h 27 min
